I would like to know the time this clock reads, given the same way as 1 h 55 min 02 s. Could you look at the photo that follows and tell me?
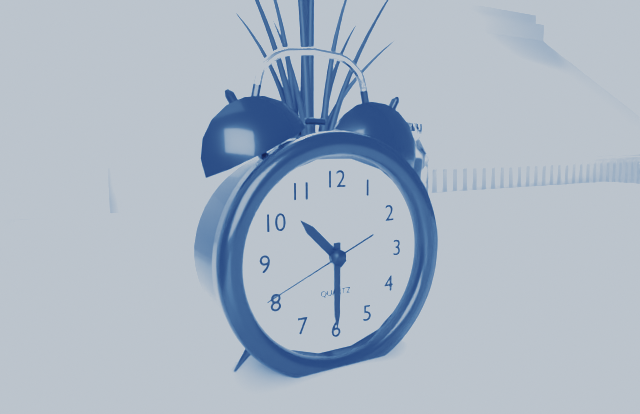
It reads 10 h 30 min 41 s
